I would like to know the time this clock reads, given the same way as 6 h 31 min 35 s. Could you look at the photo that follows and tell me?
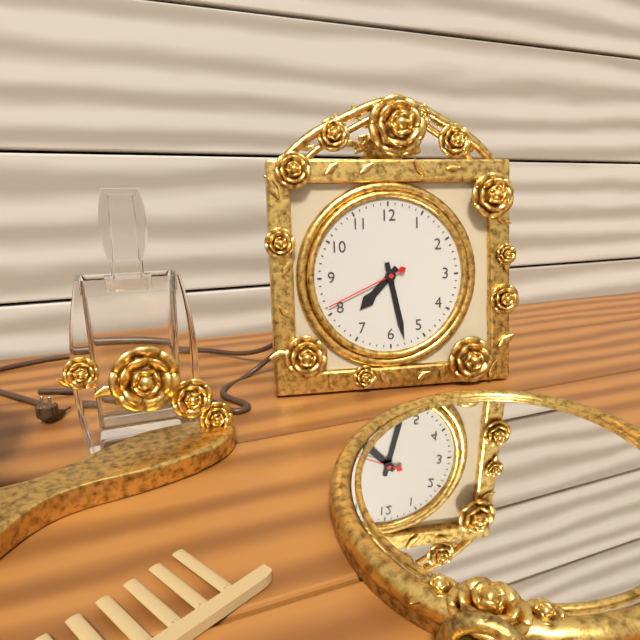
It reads 7 h 28 min 41 s
